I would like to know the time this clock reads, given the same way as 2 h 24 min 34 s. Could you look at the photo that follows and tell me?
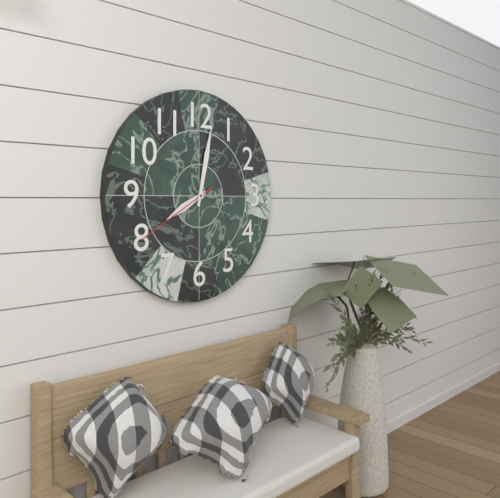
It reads 8 h 02 min 40 s
